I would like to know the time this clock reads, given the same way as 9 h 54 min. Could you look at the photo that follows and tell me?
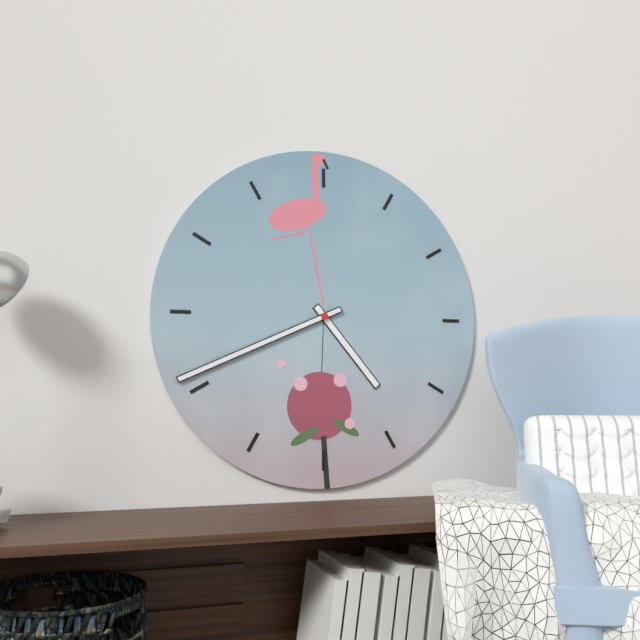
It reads 4 h 41 min
